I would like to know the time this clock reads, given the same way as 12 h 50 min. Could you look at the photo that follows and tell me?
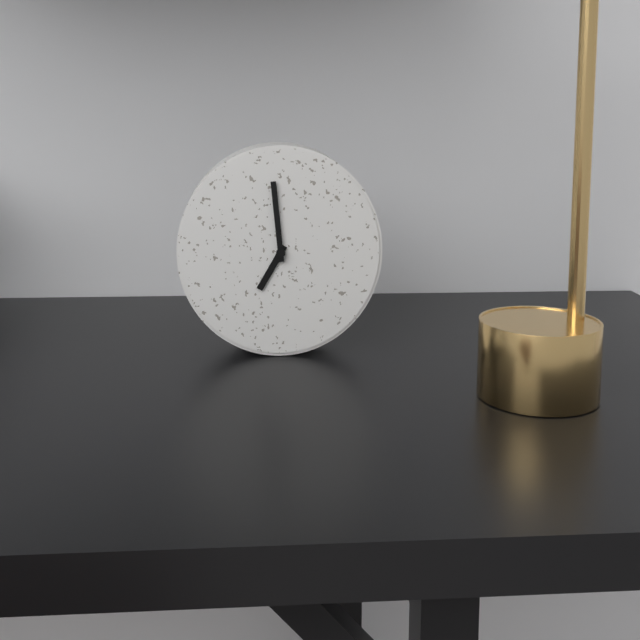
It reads 6 h 59 min
